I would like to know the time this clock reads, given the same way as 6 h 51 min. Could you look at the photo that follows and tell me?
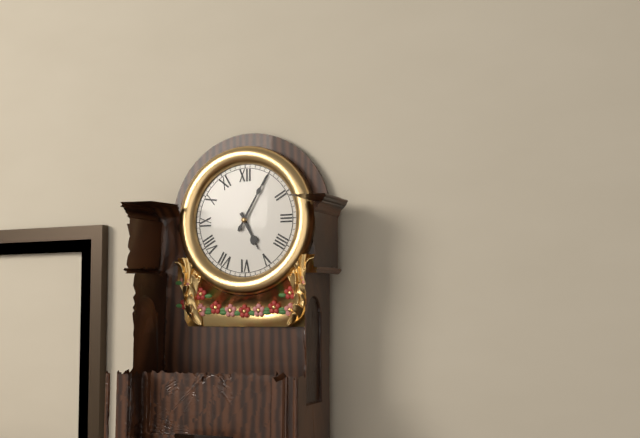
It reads 5 h 05 min
